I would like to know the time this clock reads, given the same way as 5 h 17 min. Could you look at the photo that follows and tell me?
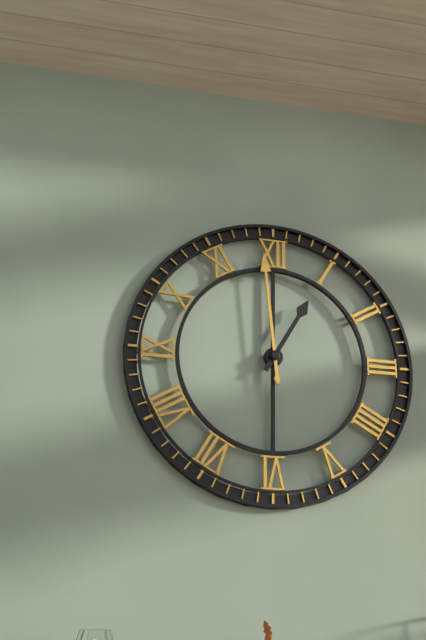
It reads 12 h 59 min
